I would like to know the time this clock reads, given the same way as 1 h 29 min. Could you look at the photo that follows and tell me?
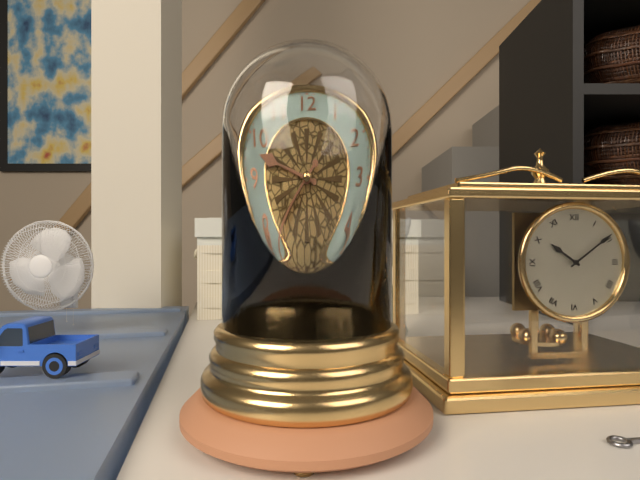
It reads 9 h 37 min
